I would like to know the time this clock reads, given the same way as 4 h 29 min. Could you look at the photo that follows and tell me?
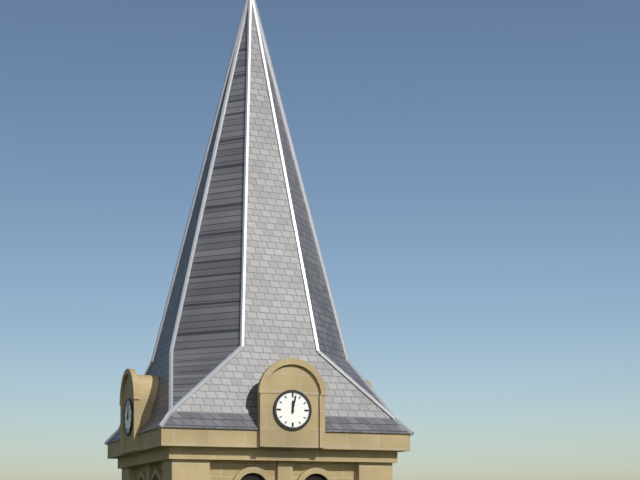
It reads 12 h 02 min
